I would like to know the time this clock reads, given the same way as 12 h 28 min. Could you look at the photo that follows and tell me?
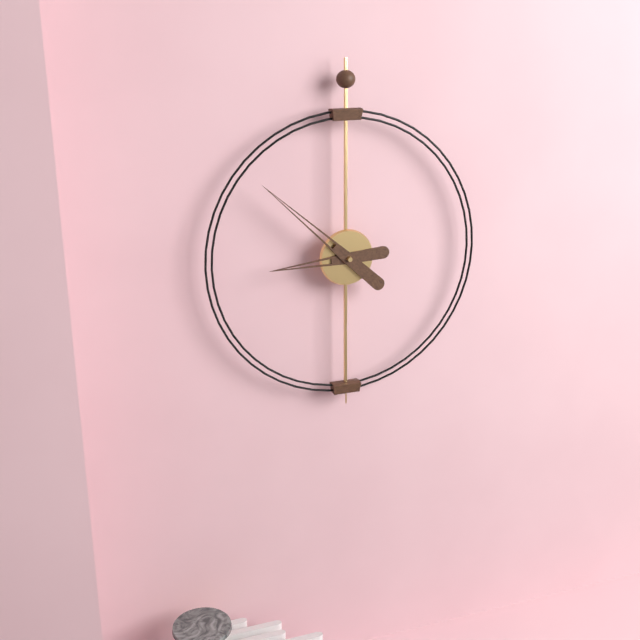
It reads 8 h 52 min
